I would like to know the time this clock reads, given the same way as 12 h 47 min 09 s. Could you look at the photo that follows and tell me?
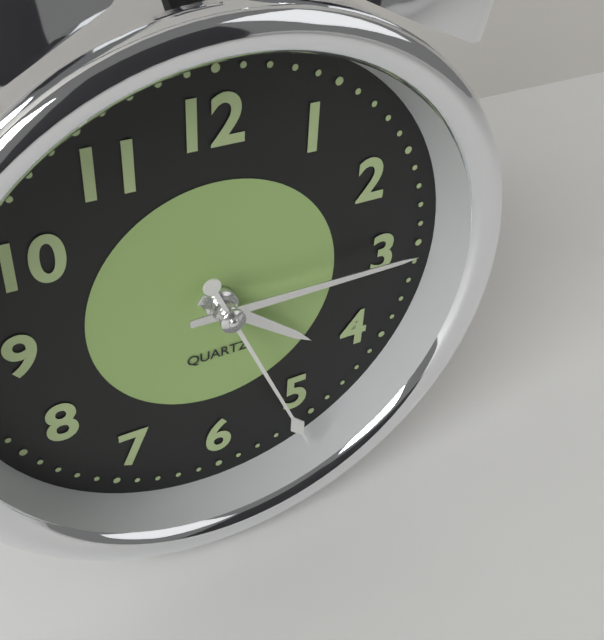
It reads 4 h 15 min 26 s
